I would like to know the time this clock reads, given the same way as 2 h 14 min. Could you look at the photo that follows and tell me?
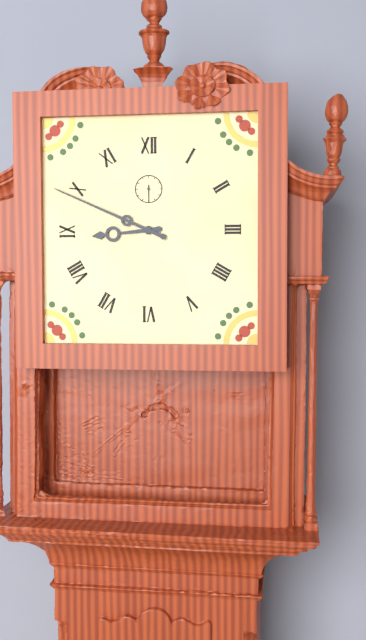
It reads 8 h 49 min
